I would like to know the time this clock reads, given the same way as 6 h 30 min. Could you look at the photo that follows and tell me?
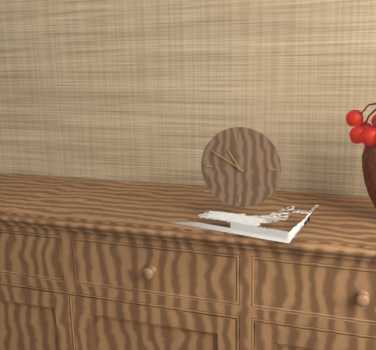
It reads 10 h 50 min
